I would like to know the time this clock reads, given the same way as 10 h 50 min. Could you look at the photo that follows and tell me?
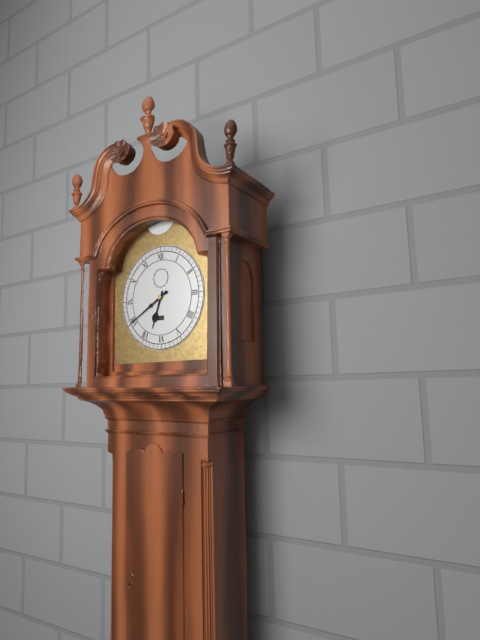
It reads 6 h 40 min
